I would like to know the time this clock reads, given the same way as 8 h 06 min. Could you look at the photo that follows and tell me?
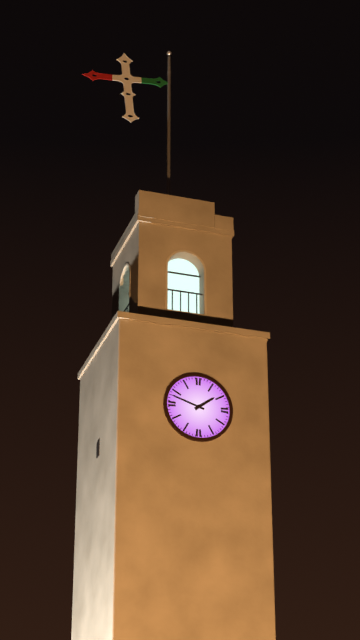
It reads 1 h 48 min
